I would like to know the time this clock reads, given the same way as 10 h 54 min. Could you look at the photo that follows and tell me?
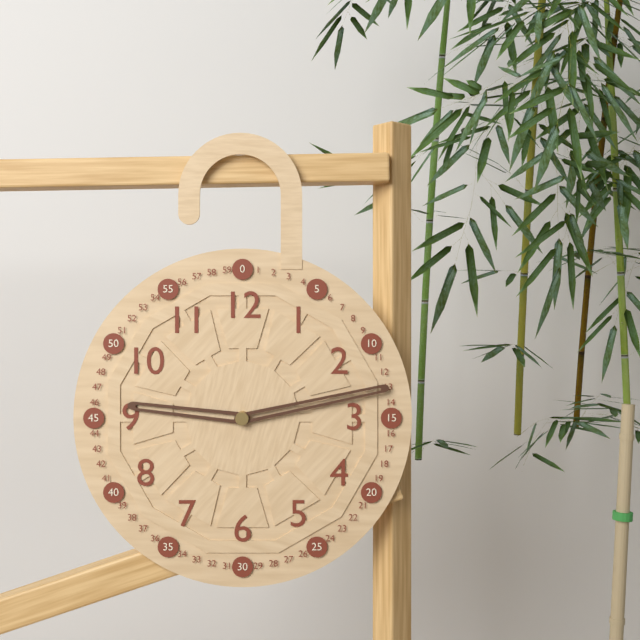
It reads 9 h 13 min
